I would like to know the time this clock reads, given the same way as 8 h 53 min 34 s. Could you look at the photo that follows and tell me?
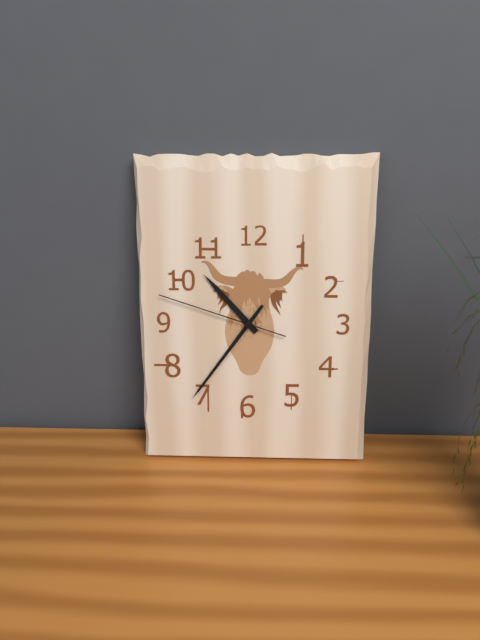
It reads 10 h 36 min 48 s
